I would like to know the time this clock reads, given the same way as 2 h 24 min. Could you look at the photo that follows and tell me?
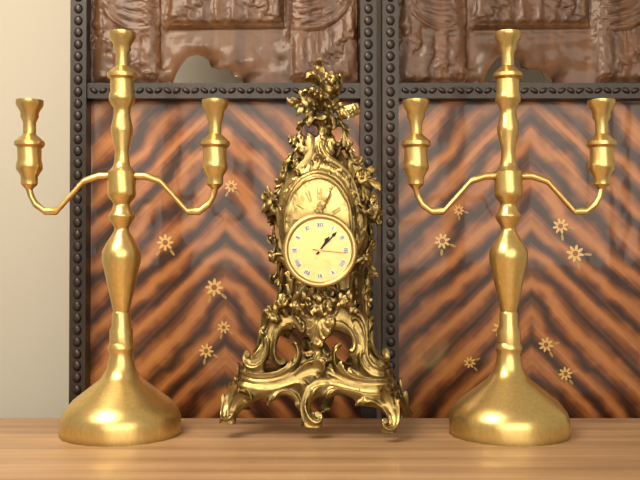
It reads 1 h 07 min
